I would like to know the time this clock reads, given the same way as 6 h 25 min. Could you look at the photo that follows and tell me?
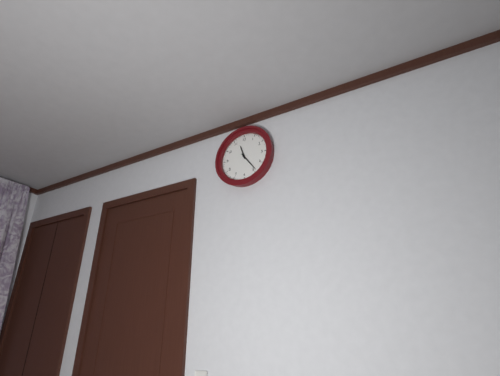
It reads 11 h 24 min
